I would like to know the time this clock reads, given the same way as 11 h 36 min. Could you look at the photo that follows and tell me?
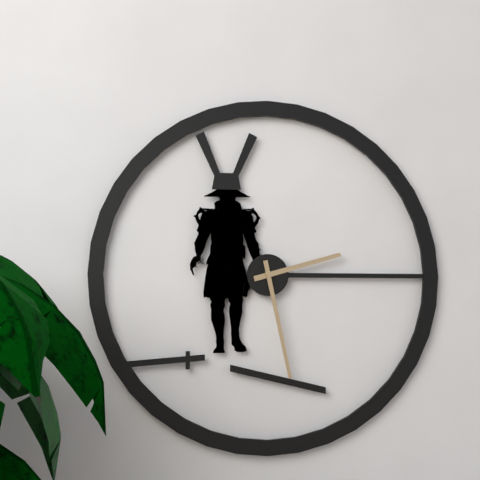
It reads 2 h 28 min
